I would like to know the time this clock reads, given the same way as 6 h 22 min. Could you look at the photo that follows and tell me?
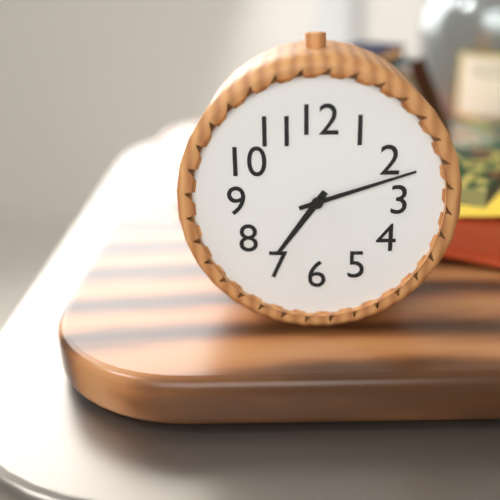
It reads 7 h 12 min
